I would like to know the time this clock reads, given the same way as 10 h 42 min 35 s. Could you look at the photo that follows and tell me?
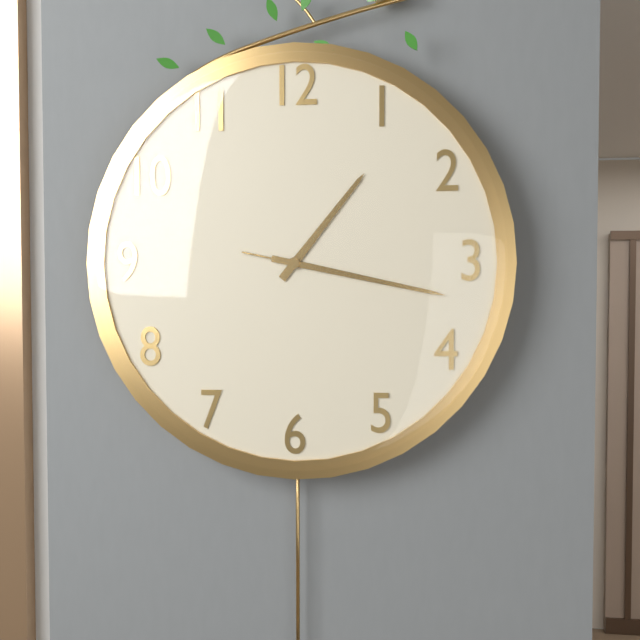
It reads 1 h 17 min 17 s
